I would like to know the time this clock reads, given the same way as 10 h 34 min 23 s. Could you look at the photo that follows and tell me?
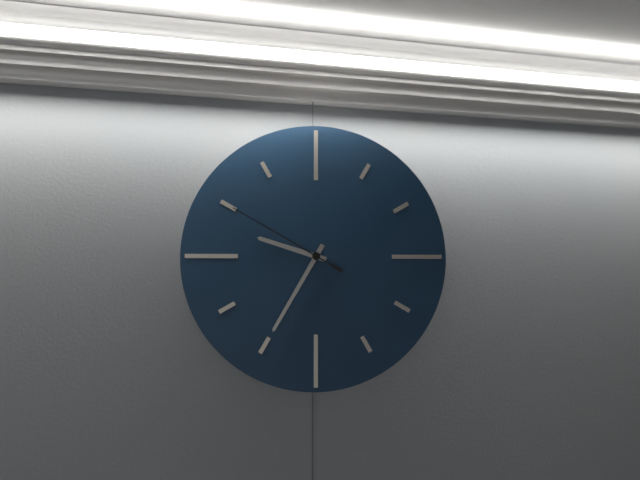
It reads 9 h 35 min 50 s
